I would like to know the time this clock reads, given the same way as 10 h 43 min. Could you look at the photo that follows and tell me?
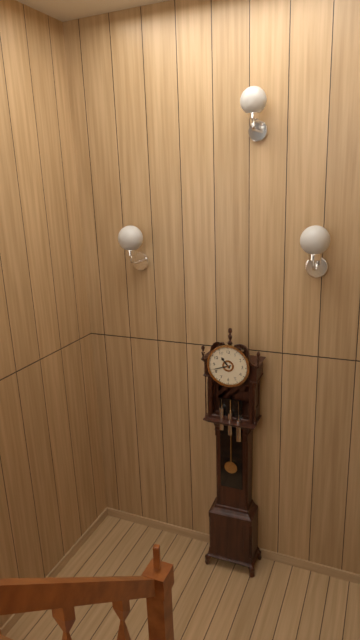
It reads 10 h 42 min
